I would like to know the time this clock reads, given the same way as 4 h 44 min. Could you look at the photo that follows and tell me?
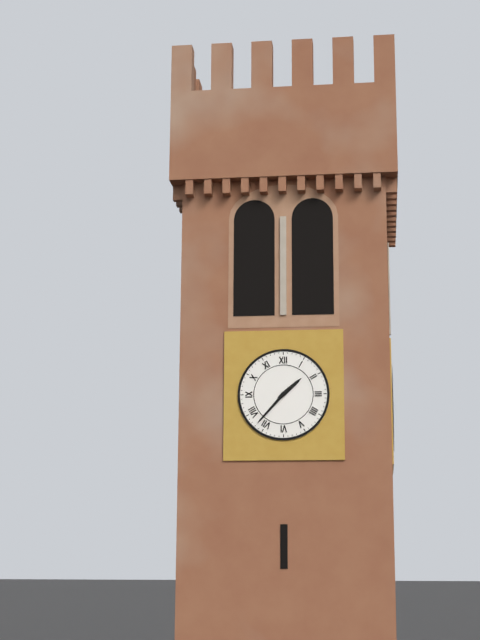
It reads 1 h 37 min
